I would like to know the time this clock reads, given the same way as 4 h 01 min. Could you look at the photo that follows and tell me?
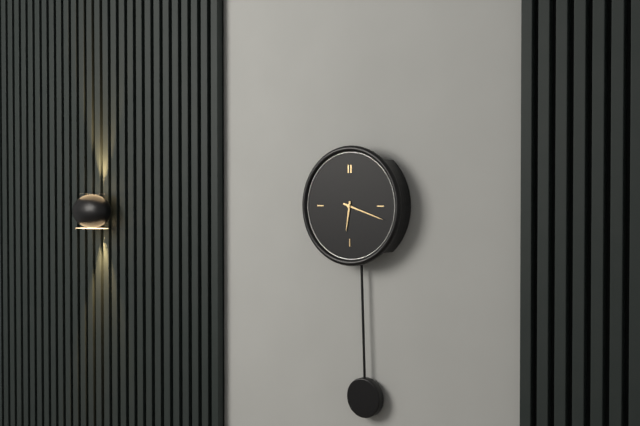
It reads 6 h 18 min
